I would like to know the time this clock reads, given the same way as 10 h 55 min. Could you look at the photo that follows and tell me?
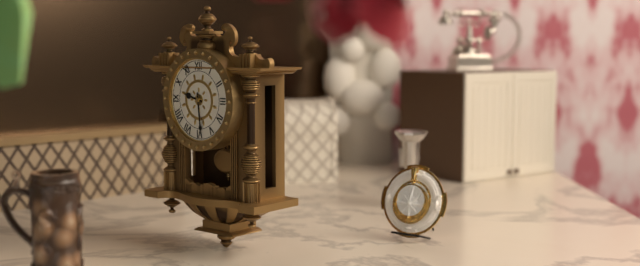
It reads 9 h 29 min
